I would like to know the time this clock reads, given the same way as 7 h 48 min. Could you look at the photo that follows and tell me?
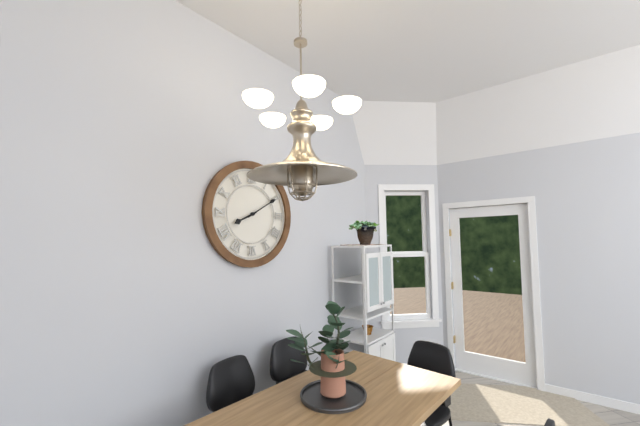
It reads 8 h 10 min
